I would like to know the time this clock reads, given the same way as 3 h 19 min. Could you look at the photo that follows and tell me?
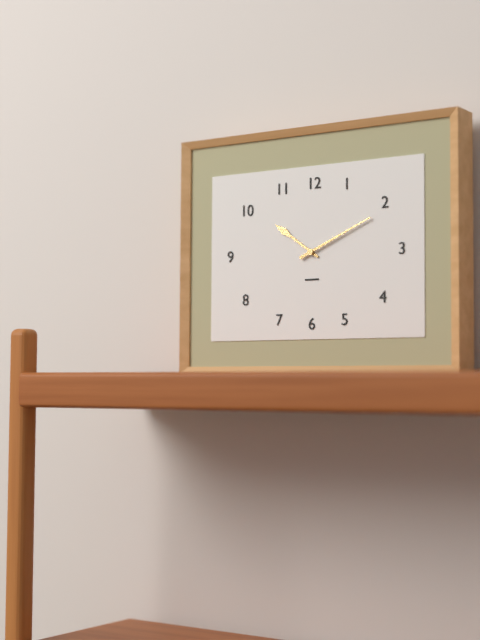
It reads 10 h 11 min
